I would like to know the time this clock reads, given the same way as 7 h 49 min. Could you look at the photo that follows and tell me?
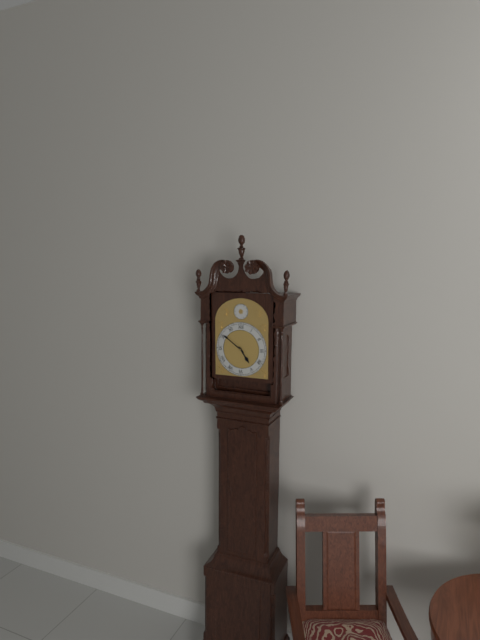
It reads 4 h 51 min
